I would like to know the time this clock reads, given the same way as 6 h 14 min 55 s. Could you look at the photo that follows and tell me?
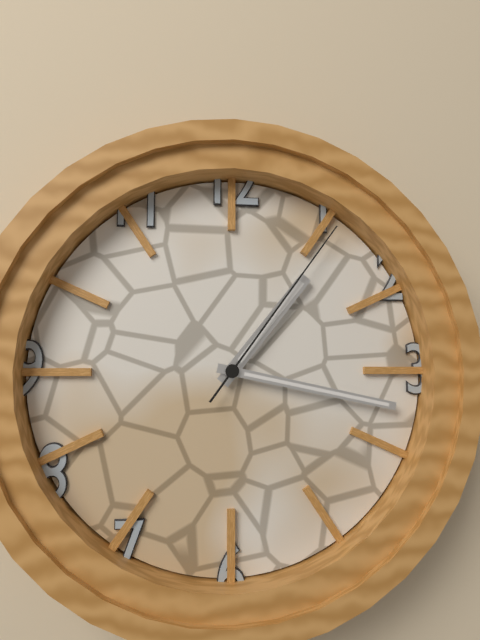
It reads 1 h 17 min 06 s
